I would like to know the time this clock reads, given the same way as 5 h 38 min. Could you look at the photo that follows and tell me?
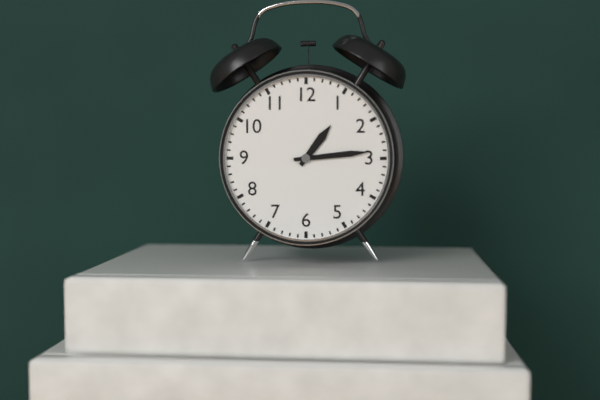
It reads 1 h 14 min
